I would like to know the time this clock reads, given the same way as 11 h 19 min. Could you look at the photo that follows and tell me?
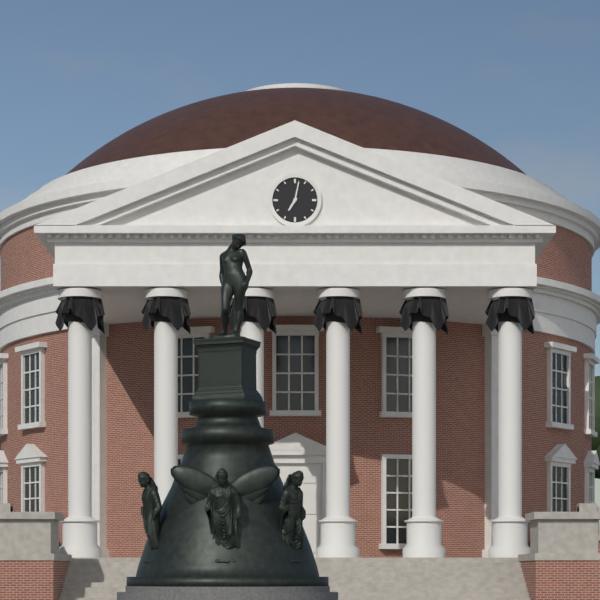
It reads 7 h 02 min
